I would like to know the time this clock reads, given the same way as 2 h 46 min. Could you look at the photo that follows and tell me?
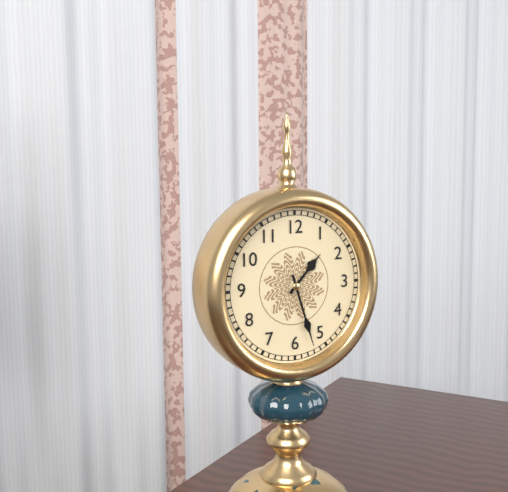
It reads 1 h 27 min
